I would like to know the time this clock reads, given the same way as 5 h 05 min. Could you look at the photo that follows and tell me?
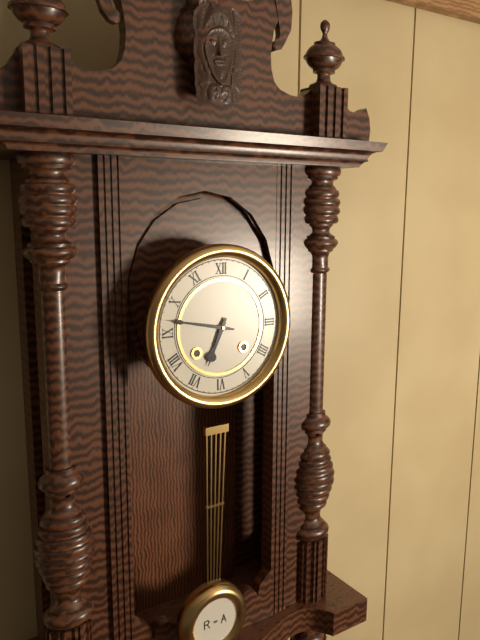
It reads 6 h 47 min
